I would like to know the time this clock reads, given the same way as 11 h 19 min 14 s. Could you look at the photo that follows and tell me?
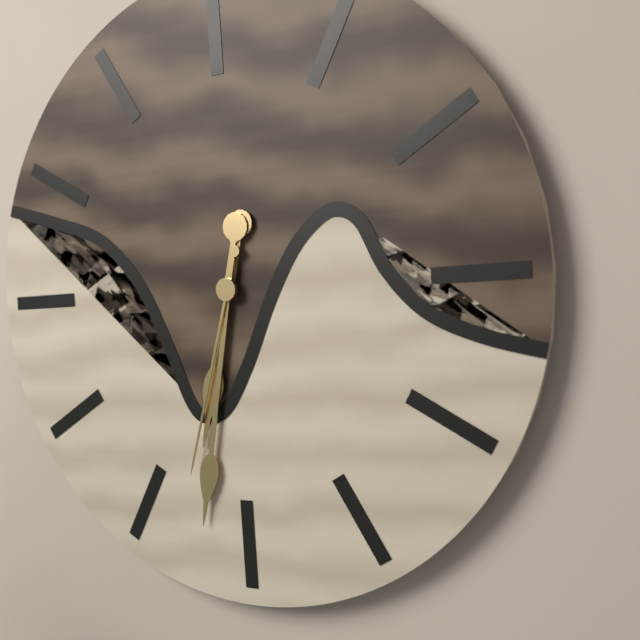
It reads 6 h 32 min 33 s
